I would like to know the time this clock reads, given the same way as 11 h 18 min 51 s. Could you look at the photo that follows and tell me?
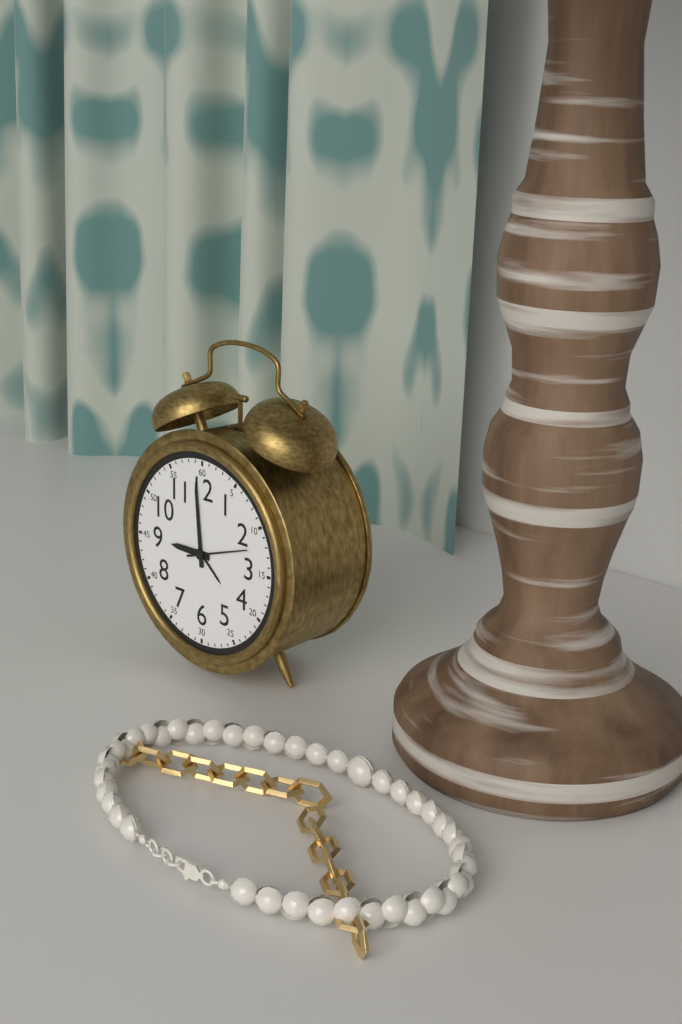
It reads 8 h 59 min 12 s
